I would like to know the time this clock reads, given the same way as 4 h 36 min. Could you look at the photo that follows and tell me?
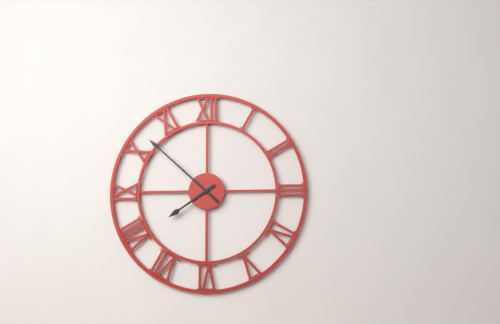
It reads 7 h 52 min
